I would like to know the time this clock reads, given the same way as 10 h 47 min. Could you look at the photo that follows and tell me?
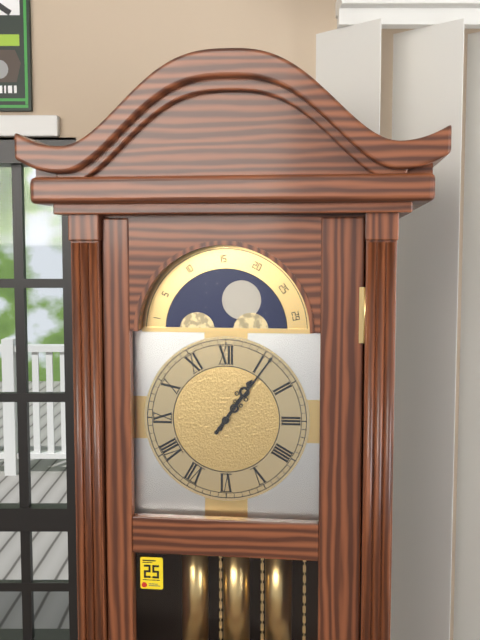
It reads 1 h 06 min
